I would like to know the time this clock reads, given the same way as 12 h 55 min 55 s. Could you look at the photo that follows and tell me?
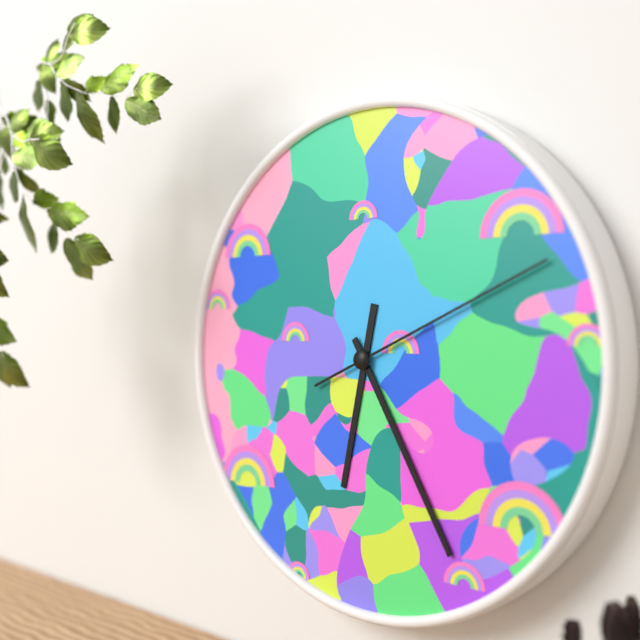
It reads 6 h 25 min 11 s
